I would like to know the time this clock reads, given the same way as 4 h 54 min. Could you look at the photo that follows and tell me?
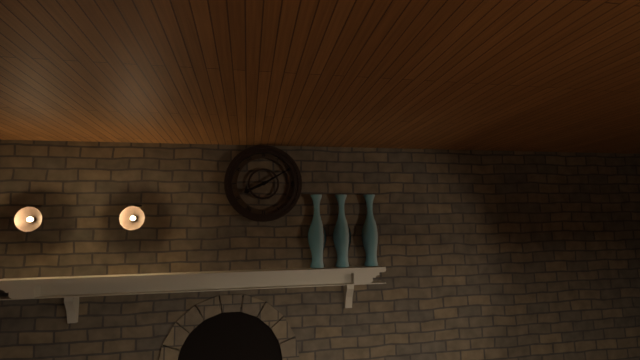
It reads 8 h 10 min
